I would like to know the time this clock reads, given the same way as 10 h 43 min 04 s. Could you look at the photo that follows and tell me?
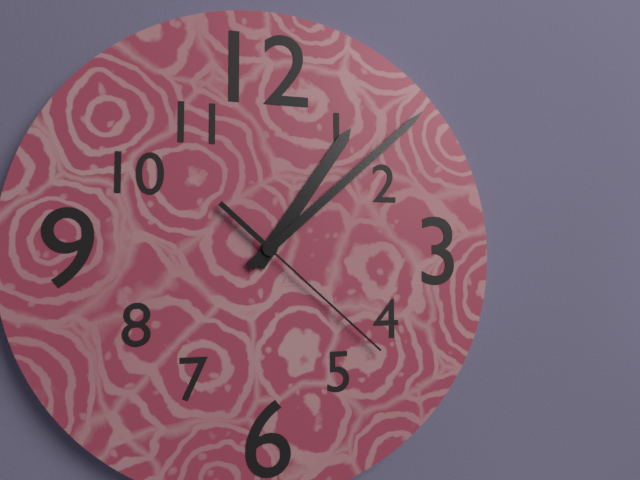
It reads 1 h 08 min 22 s
